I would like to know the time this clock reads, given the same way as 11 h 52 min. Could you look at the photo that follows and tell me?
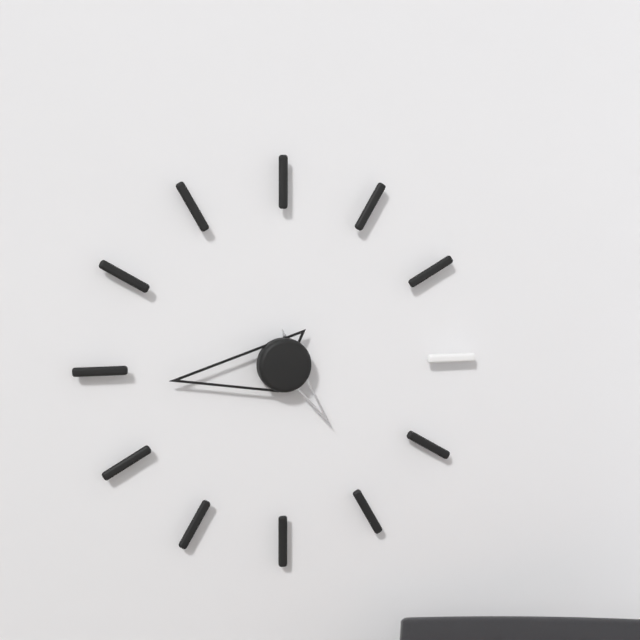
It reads 4 h 44 min
